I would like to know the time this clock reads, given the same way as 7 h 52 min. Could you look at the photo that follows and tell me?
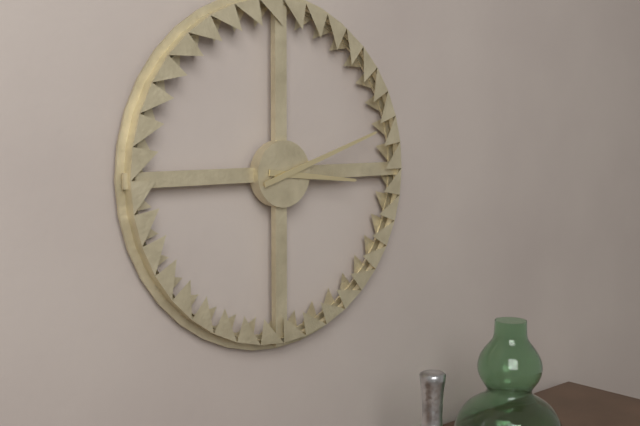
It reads 3 h 12 min
